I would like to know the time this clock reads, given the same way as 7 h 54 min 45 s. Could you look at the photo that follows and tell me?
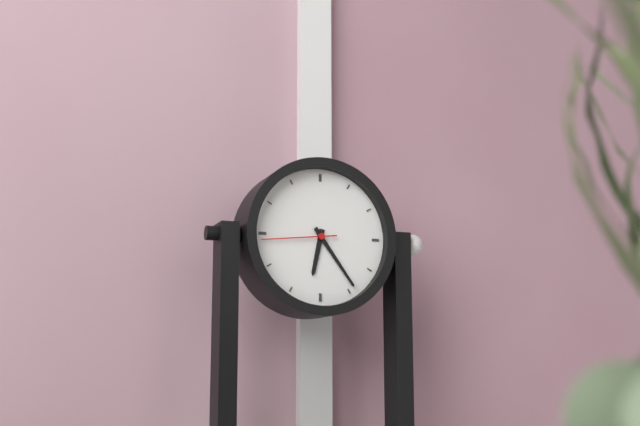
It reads 6 h 24 min 44 s
